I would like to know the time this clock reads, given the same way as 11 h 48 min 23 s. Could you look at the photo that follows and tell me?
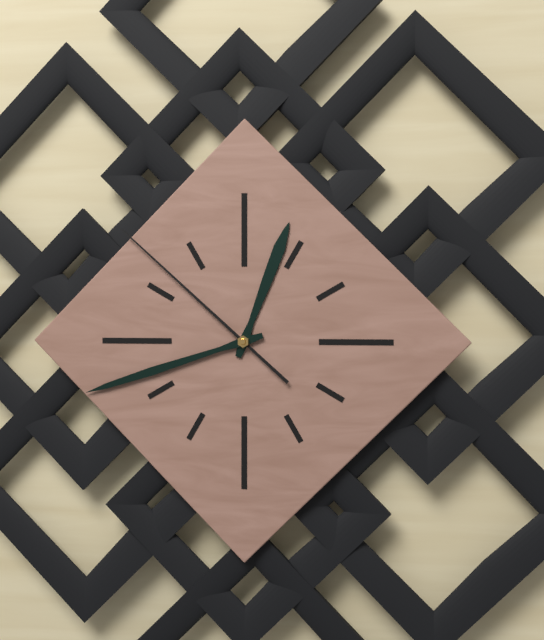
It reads 12 h 42 min 52 s
